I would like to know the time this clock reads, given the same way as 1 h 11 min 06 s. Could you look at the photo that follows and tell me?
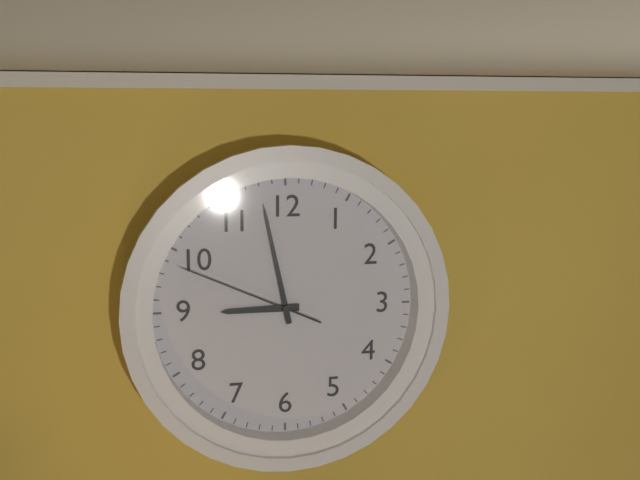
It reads 8 h 58 min 49 s
